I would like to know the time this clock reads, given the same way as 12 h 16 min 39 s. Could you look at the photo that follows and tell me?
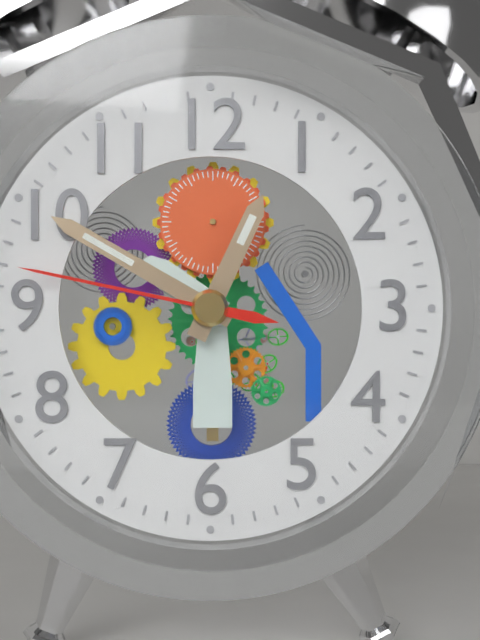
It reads 12 h 50 min 47 s
